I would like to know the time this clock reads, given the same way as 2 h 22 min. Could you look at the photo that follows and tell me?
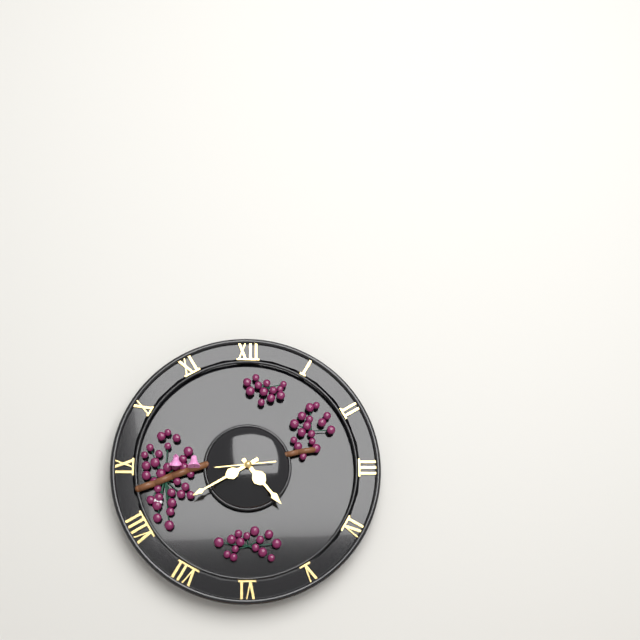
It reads 4 h 40 min
